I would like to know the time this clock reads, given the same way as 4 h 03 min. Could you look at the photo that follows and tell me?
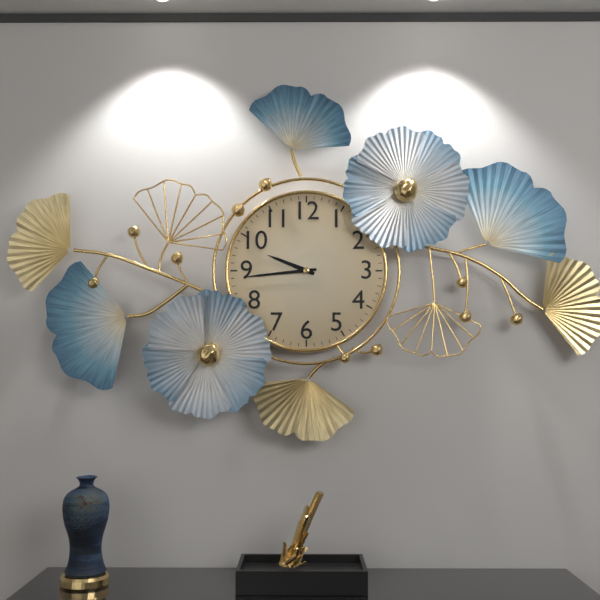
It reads 9 h 44 min
